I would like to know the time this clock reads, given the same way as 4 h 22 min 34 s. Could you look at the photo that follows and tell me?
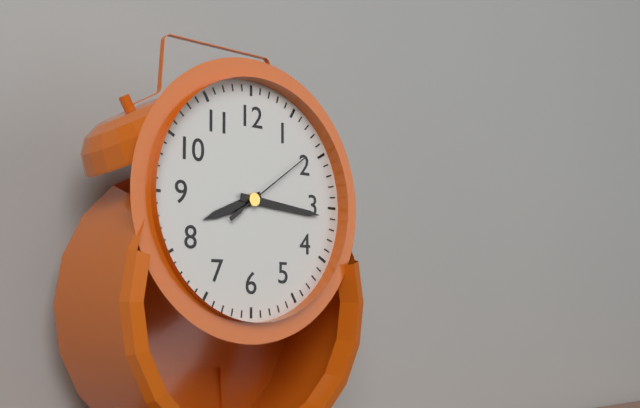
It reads 8 h 16 min 09 s
